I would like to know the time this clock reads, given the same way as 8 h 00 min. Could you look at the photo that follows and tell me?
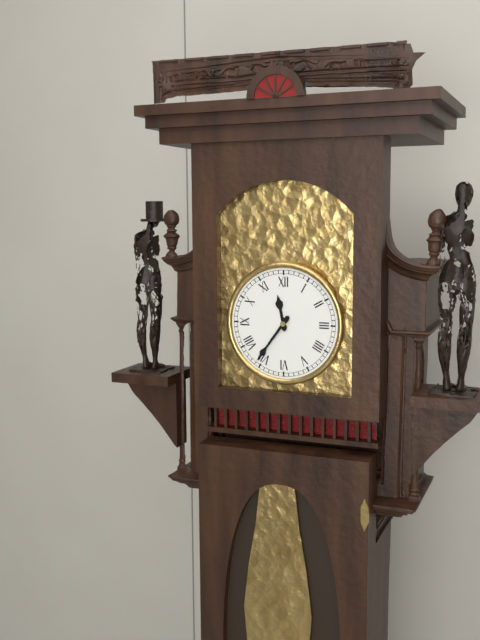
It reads 11 h 36 min
